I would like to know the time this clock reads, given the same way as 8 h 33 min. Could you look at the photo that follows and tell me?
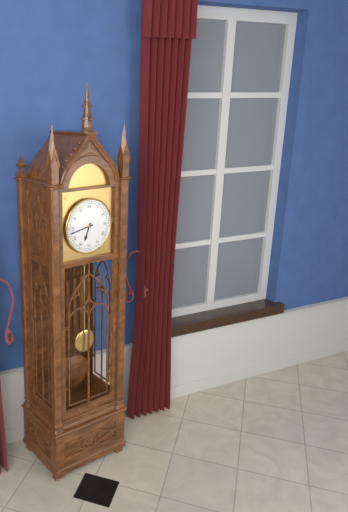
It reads 6 h 43 min
